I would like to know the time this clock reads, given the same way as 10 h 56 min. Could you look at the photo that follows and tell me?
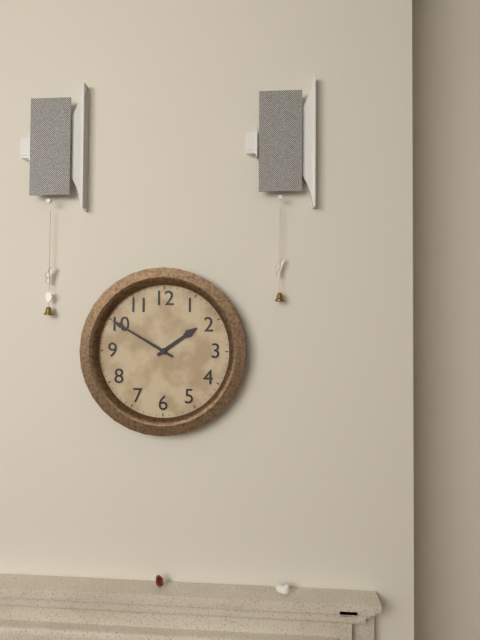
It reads 1 h 50 min
